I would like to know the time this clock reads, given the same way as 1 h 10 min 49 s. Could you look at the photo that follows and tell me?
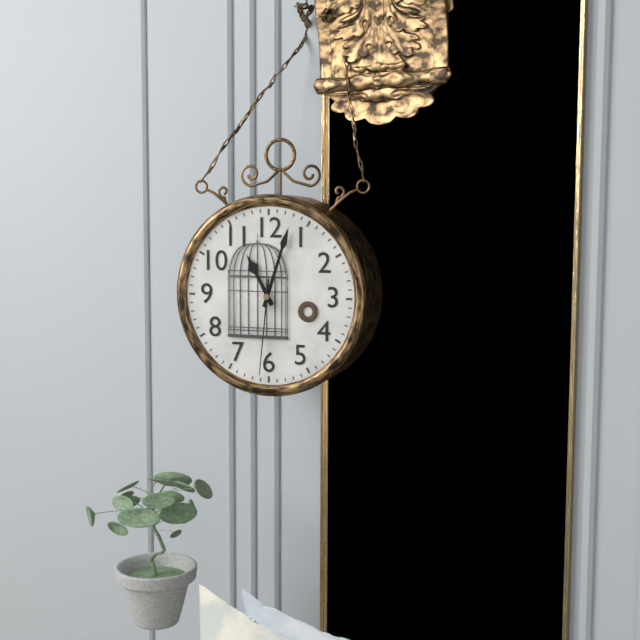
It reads 11 h 03 min 31 s
